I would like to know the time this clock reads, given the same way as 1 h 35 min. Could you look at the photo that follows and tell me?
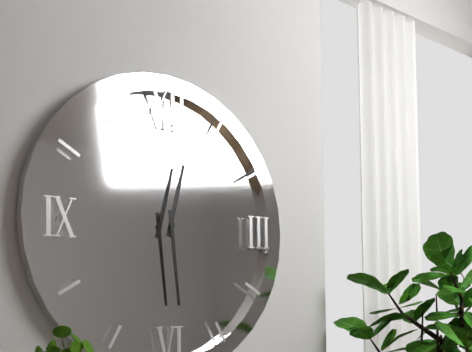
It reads 12 h 29 min
